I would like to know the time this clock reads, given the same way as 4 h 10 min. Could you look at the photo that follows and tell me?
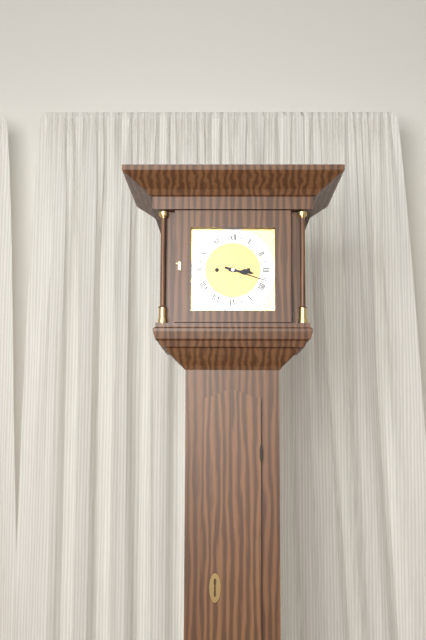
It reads 3 h 18 min
